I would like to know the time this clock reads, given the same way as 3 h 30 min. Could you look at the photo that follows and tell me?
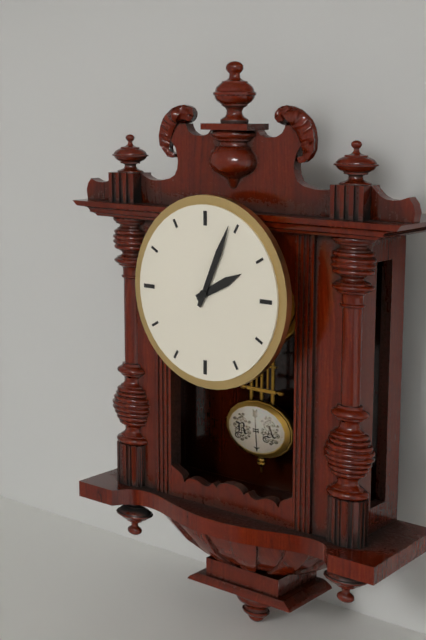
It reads 2 h 04 min
